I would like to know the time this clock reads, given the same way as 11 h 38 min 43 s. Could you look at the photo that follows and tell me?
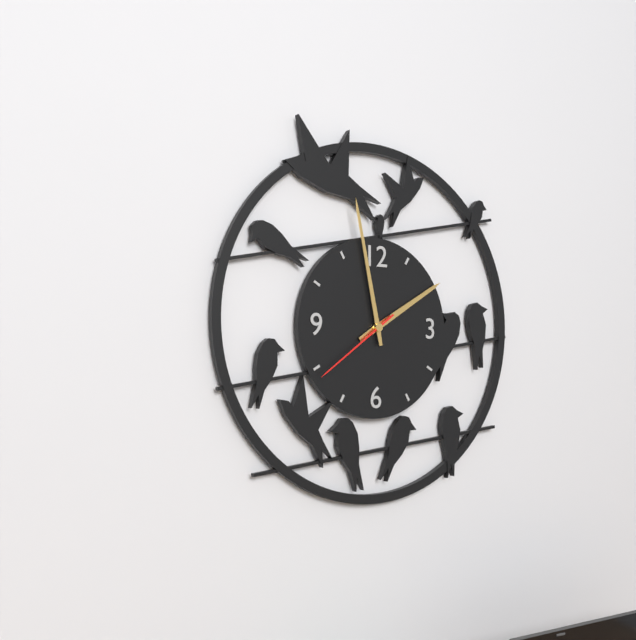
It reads 1 h 58 min 39 s
